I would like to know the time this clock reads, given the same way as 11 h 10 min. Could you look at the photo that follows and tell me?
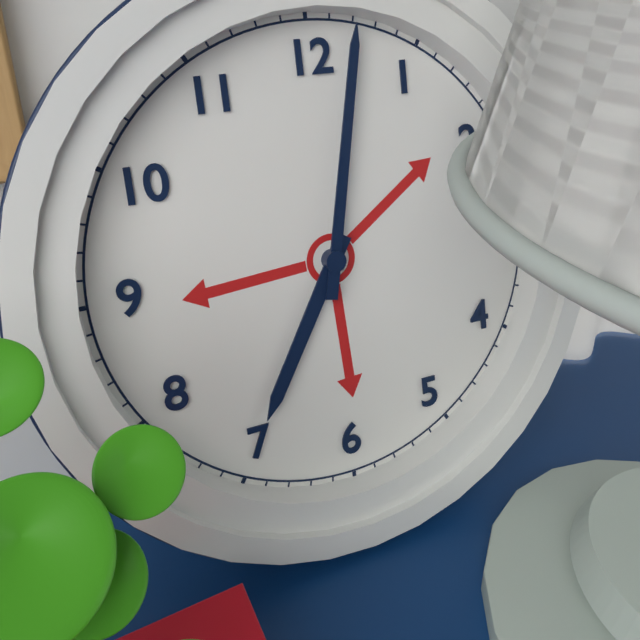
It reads 7 h 02 min
